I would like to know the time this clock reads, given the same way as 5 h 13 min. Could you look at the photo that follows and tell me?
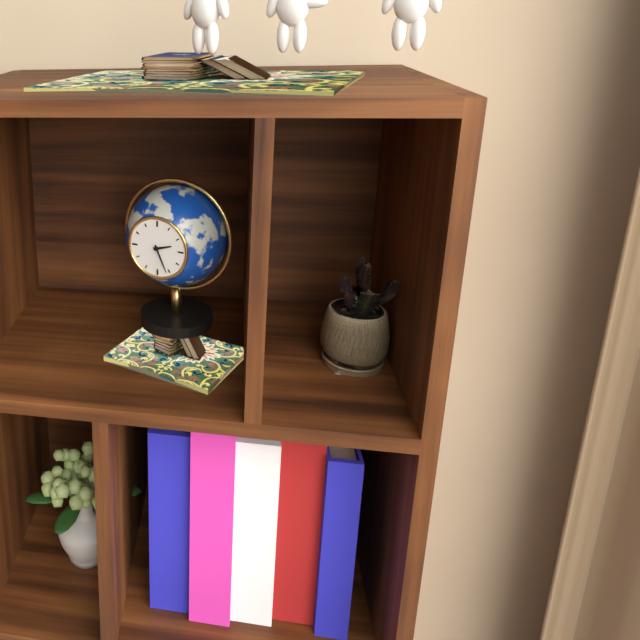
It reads 2 h 26 min
